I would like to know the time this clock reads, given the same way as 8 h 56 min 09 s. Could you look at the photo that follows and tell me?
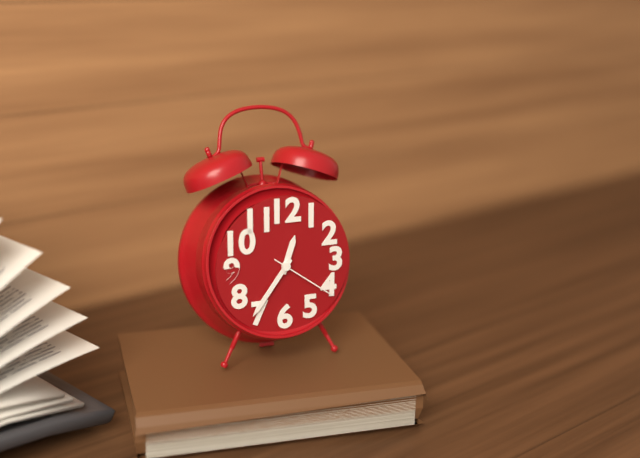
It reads 12 h 36 min 21 s
